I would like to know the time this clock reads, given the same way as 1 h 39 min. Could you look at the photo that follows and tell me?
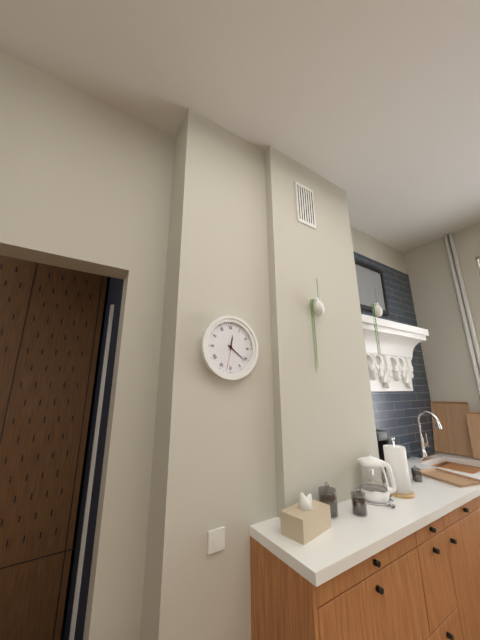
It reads 12 h 21 min
